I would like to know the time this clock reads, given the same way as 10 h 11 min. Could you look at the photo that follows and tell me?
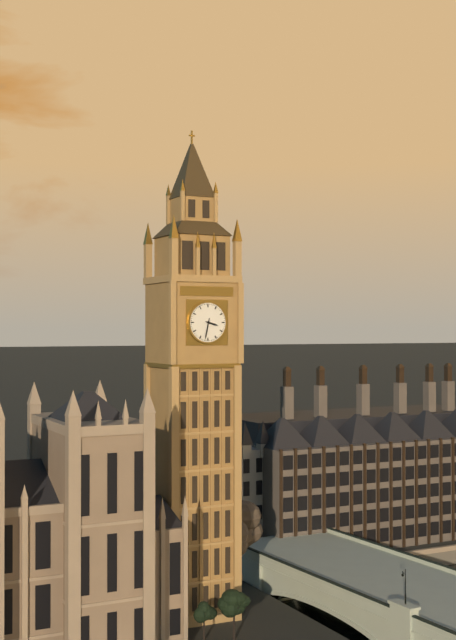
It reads 3 h 32 min
